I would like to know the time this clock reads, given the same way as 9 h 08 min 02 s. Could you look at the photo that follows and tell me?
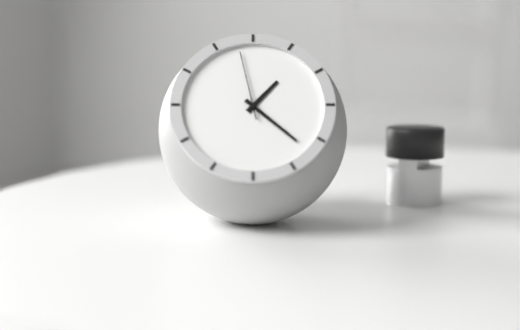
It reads 1 h 22 min 58 s
